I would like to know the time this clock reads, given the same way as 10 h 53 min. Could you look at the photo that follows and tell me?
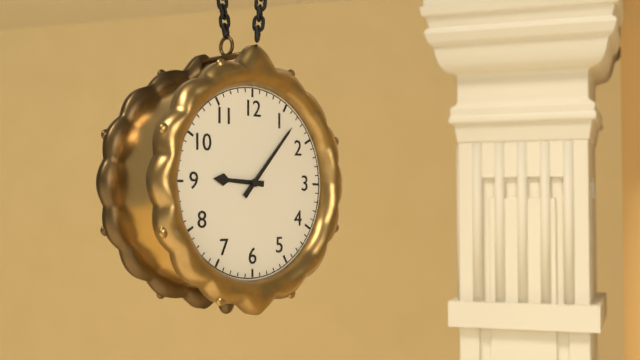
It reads 9 h 07 min
